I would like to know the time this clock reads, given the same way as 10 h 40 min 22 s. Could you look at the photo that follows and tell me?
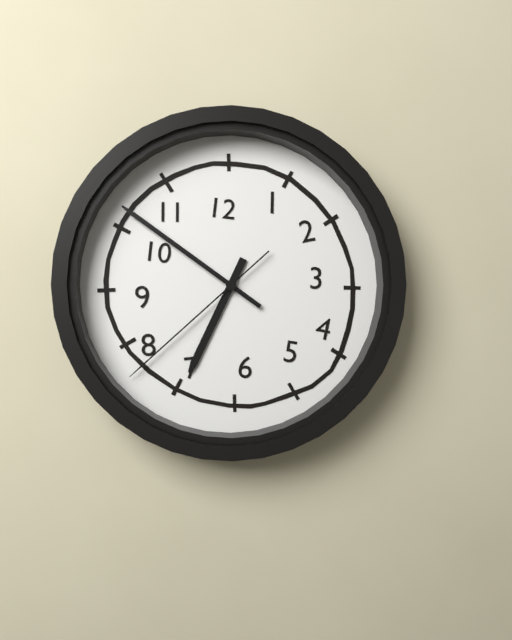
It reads 6 h 51 min 38 s
